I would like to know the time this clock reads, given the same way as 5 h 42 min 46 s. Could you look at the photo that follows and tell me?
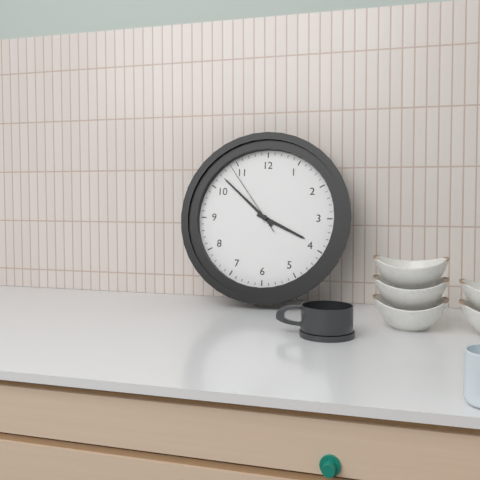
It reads 3 h 52 min 54 s
